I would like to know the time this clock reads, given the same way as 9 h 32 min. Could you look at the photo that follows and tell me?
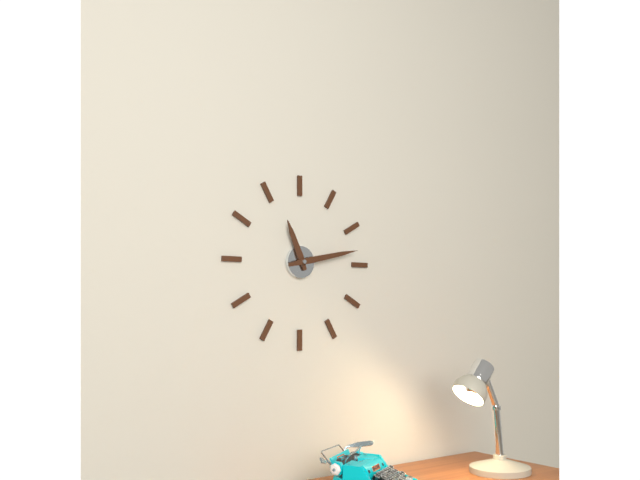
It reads 11 h 13 min
